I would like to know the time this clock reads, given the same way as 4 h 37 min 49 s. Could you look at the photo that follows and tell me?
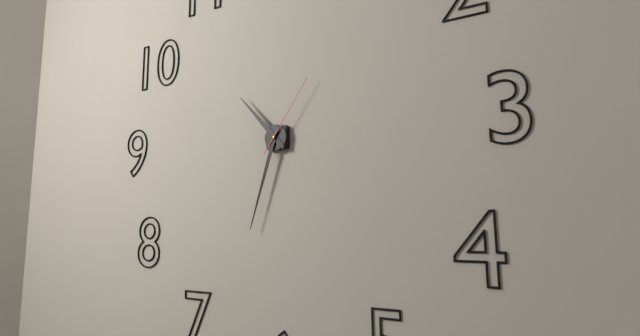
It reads 10 h 33 min 06 s
